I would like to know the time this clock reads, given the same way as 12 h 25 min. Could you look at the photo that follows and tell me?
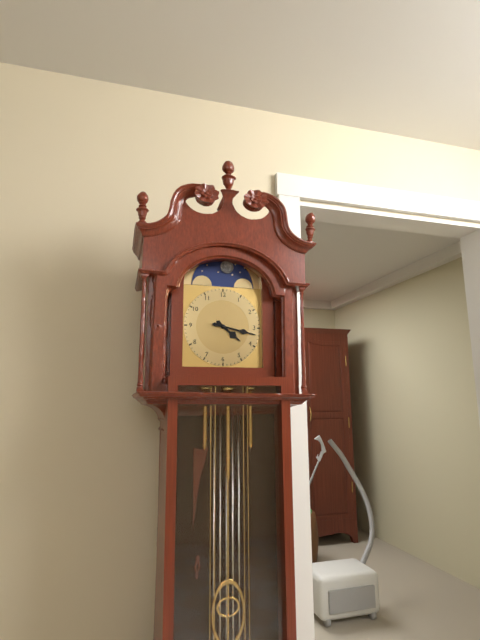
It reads 4 h 17 min
